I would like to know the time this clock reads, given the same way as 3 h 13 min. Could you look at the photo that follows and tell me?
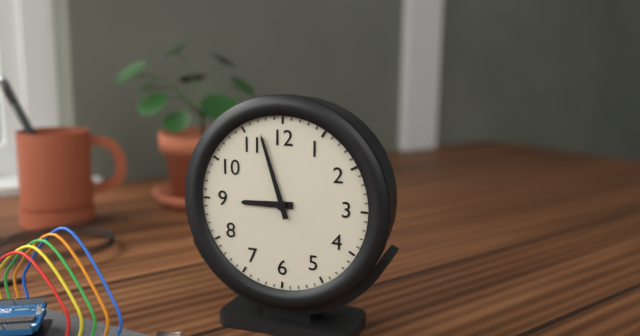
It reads 8 h 57 min
